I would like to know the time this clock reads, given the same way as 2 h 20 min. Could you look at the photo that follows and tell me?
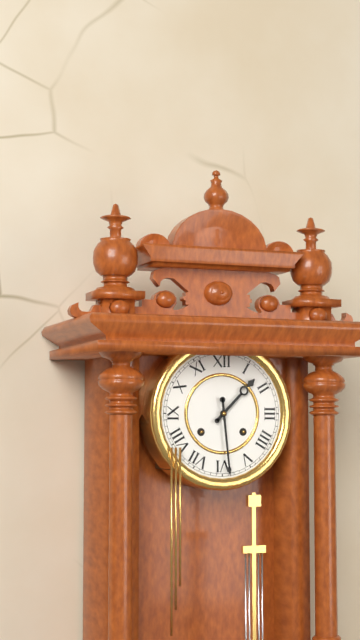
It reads 1 h 29 min
